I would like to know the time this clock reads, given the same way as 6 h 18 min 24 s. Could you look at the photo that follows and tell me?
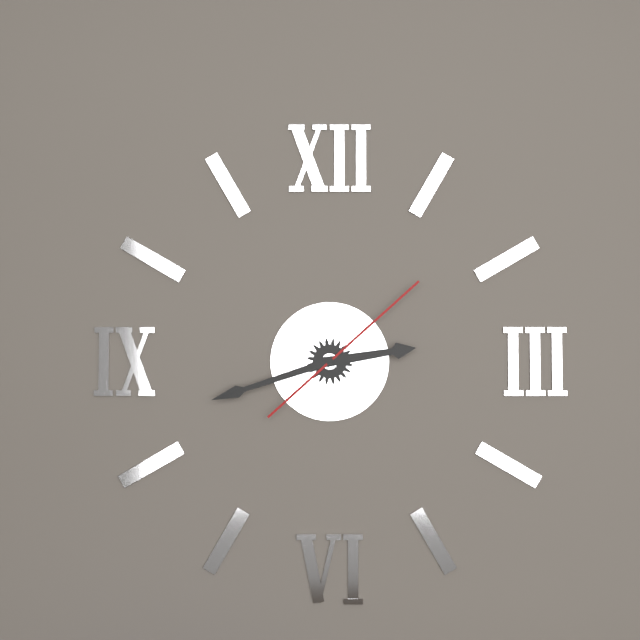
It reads 2 h 42 min 08 s
